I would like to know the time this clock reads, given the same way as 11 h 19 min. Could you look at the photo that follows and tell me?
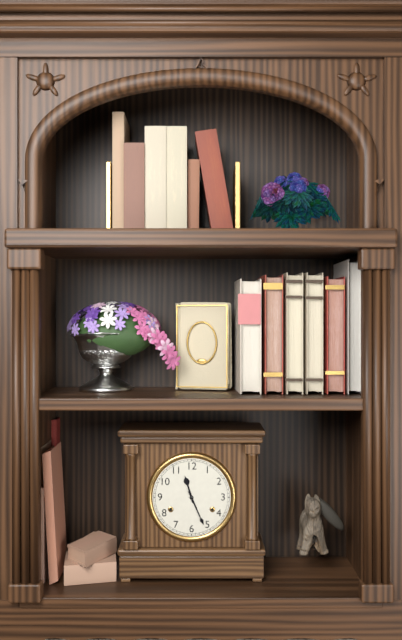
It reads 11 h 26 min
